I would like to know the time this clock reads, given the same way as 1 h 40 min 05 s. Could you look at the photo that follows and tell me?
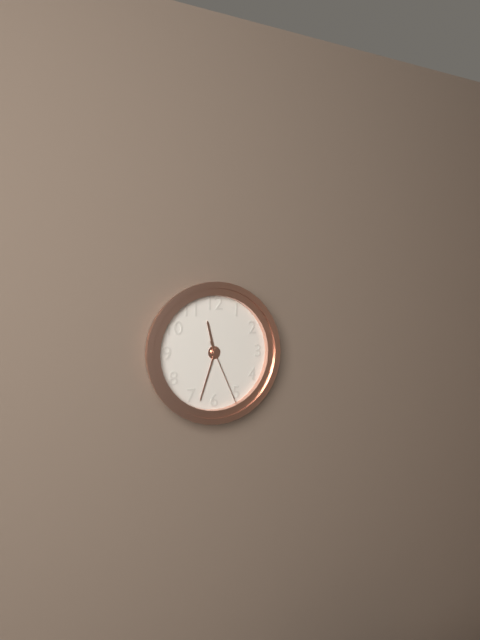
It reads 11 h 33 min 26 s
